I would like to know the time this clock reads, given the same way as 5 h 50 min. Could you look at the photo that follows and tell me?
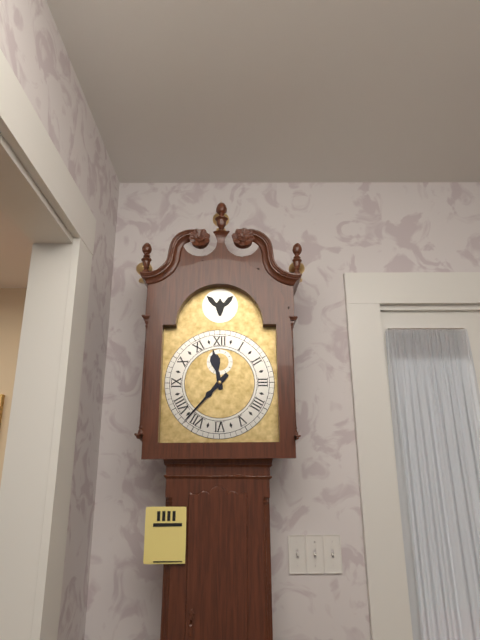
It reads 11 h 37 min
